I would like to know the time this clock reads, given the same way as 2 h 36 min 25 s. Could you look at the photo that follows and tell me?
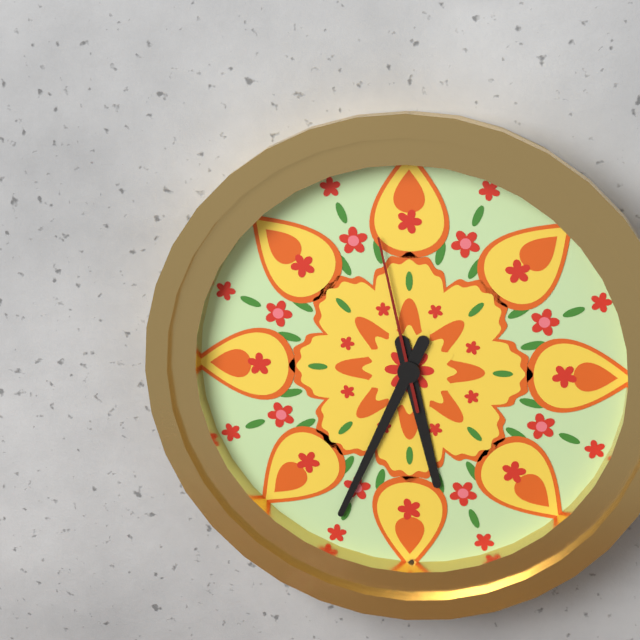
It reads 5 h 34 min 58 s
